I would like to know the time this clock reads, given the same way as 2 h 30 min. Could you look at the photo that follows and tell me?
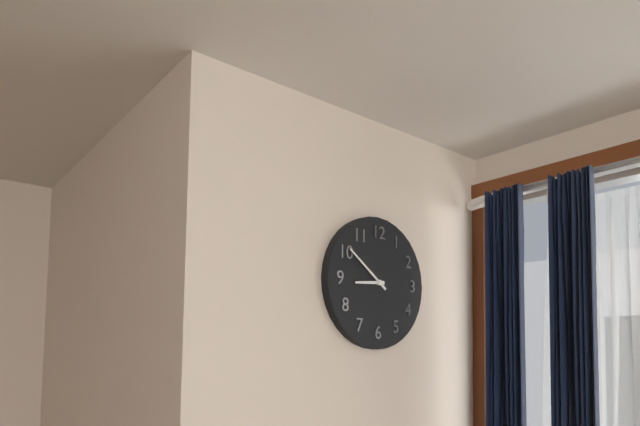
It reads 8 h 51 min
